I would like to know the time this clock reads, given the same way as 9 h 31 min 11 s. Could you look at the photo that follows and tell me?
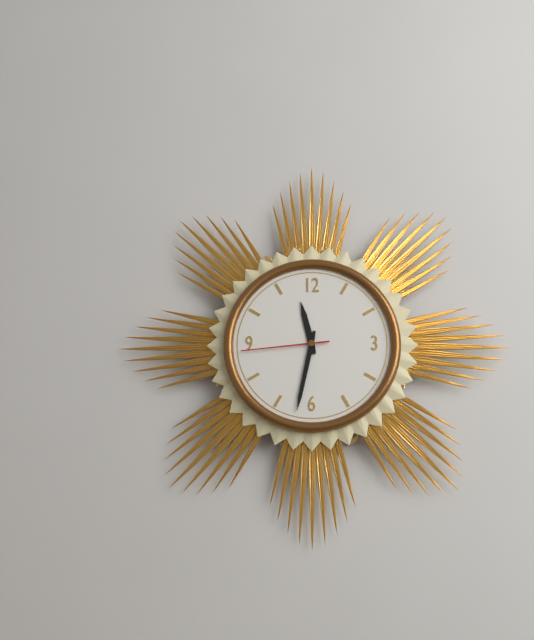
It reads 11 h 32 min 44 s
